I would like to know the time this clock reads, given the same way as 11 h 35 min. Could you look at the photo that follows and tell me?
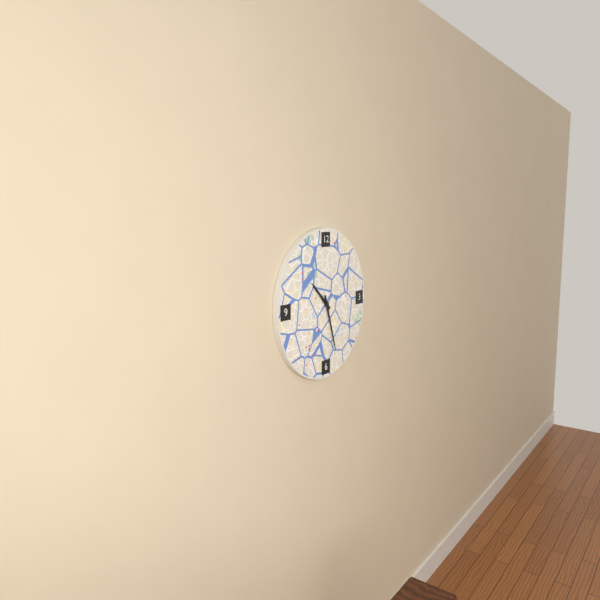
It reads 10 h 27 min
